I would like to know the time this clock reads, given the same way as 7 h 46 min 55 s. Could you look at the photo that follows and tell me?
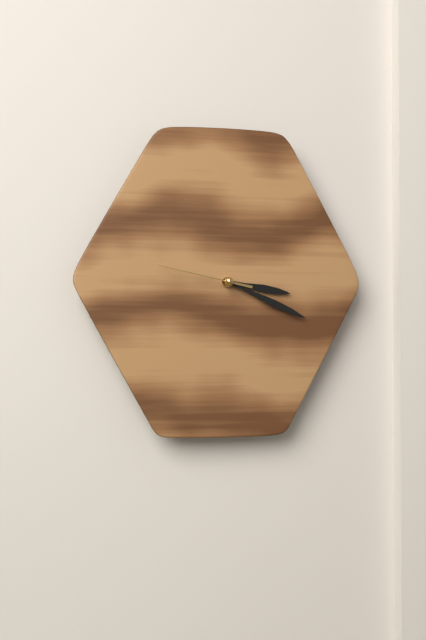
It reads 3 h 19 min 47 s
